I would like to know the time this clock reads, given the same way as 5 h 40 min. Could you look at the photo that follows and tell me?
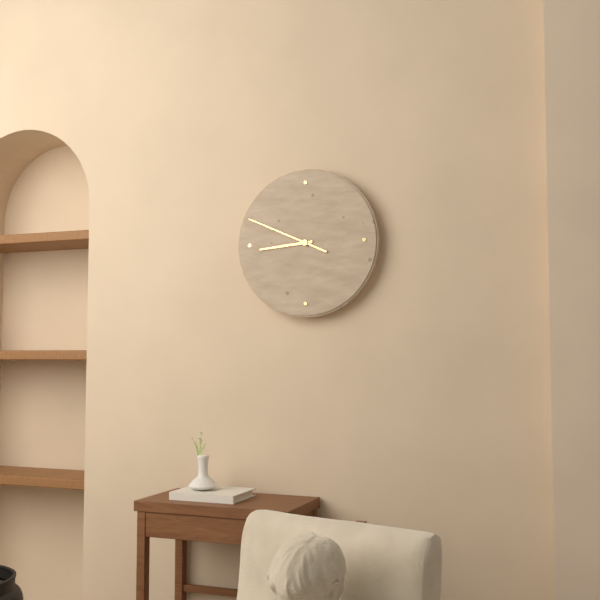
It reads 8 h 49 min
